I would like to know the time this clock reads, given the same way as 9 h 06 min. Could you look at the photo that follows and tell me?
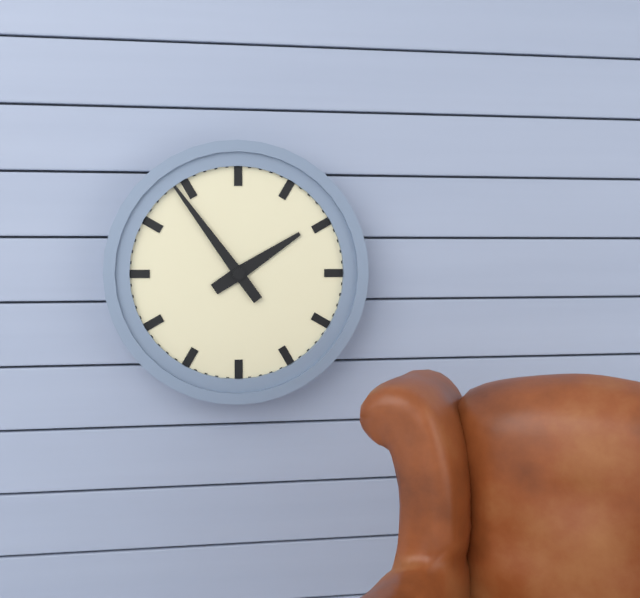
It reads 1 h 54 min
